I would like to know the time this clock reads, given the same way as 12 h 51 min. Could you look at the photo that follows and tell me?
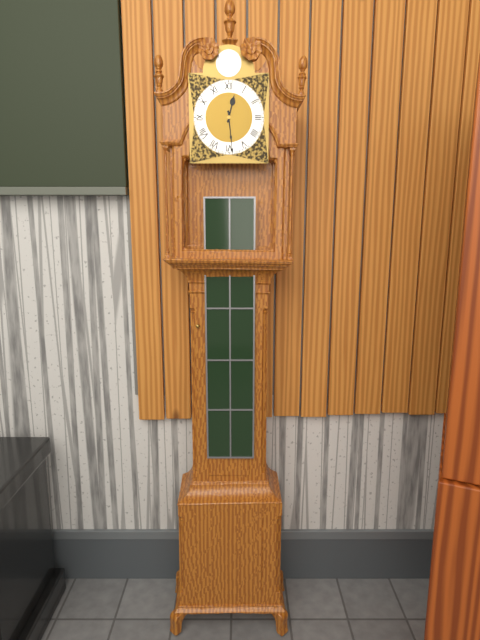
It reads 12 h 29 min
